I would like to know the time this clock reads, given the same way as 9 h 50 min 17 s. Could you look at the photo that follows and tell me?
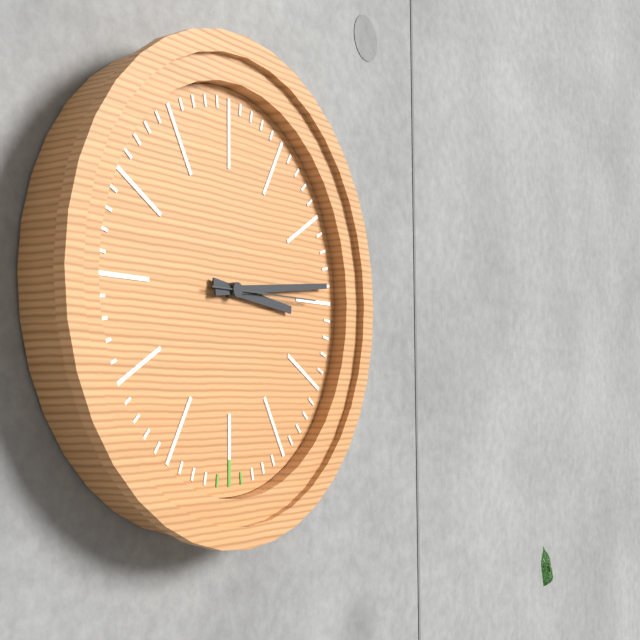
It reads 3 h 14 min 15 s
